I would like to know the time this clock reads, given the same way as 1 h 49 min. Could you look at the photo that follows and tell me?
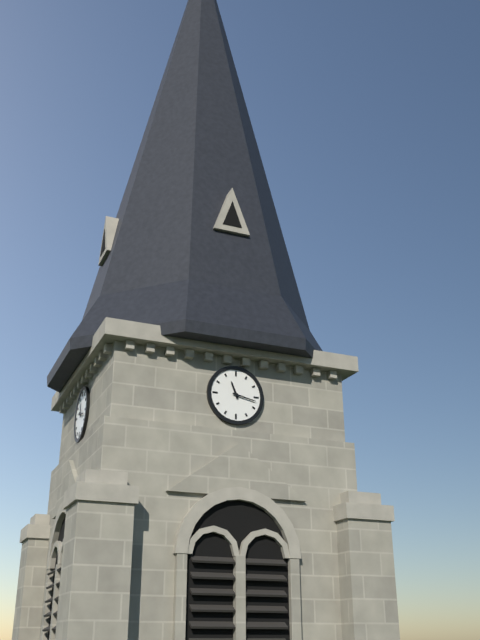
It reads 11 h 17 min
